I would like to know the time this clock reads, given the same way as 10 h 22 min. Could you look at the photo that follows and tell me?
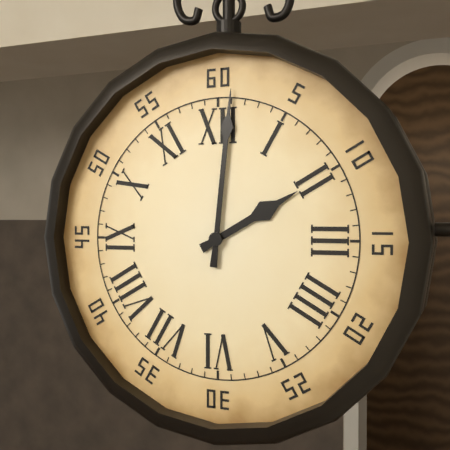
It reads 2 h 01 min
